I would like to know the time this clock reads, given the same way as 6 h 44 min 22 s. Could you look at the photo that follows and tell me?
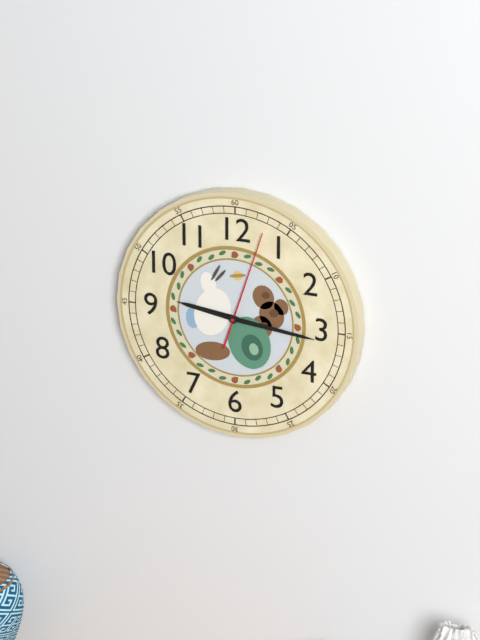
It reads 9 h 16 min 03 s
